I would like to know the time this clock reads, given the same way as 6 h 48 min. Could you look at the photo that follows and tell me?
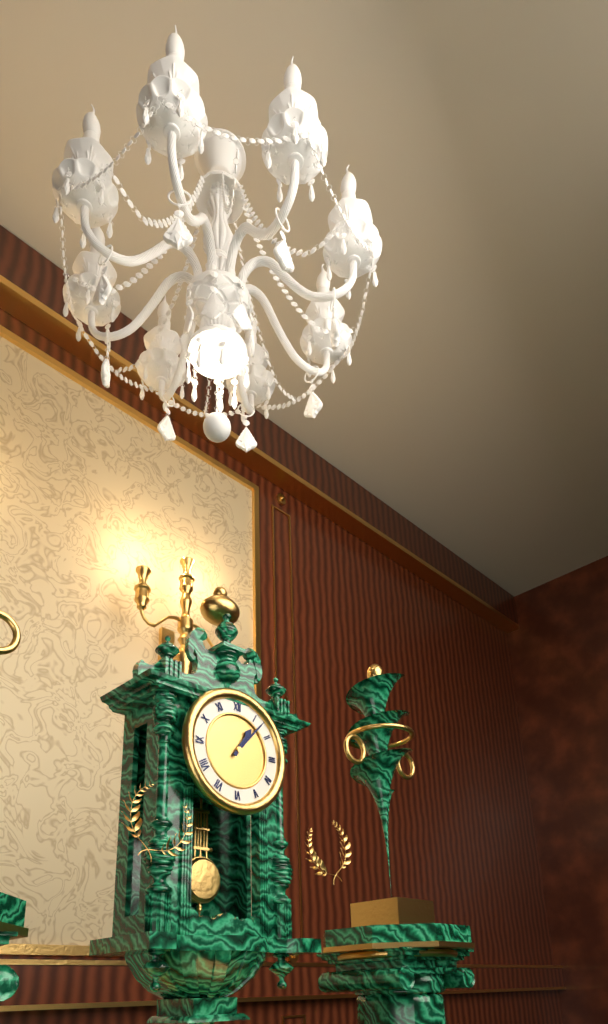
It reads 1 h 07 min
